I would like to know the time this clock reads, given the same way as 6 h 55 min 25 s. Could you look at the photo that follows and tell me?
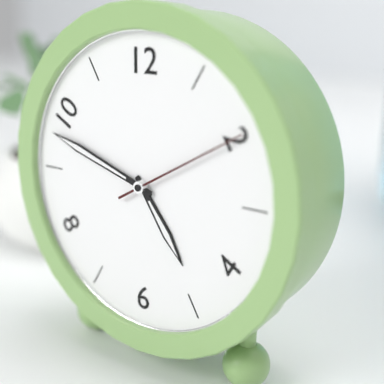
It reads 4 h 48 min 10 s
